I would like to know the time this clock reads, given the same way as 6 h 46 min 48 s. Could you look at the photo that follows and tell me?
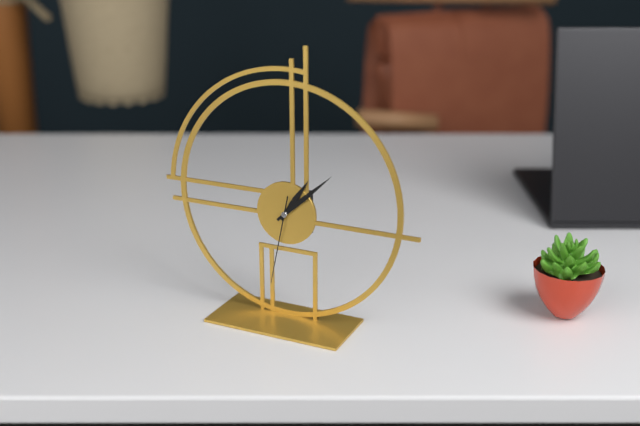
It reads 1 h 08 min 32 s
